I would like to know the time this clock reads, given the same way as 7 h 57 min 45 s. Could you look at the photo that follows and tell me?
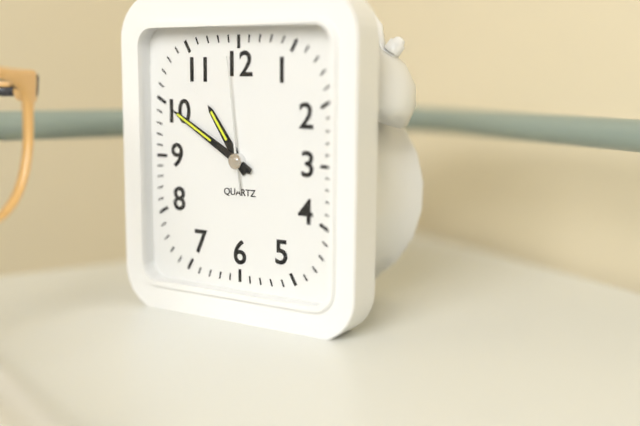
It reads 10 h 50 min 59 s
